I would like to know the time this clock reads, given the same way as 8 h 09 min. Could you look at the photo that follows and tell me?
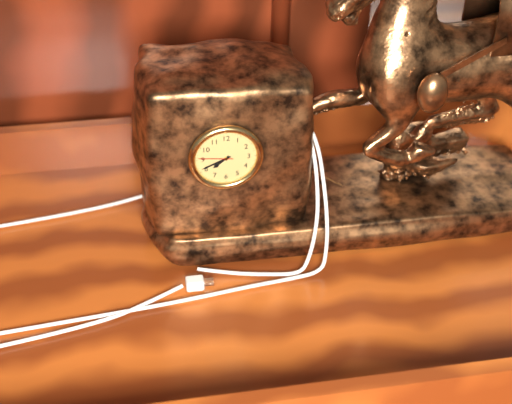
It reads 7 h 41 min
